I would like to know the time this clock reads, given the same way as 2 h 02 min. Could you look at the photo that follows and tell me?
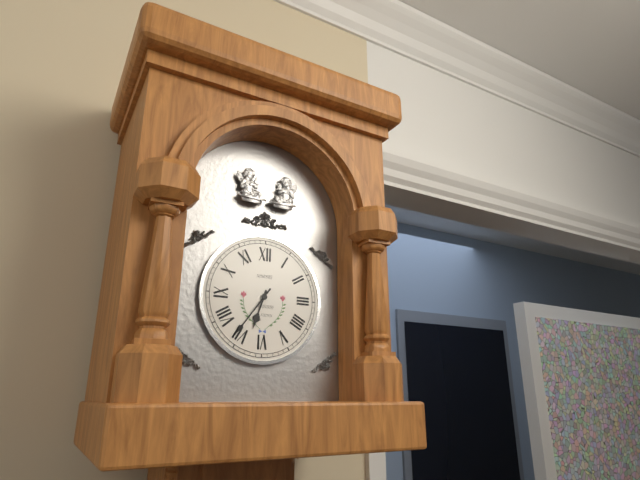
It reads 6 h 36 min
